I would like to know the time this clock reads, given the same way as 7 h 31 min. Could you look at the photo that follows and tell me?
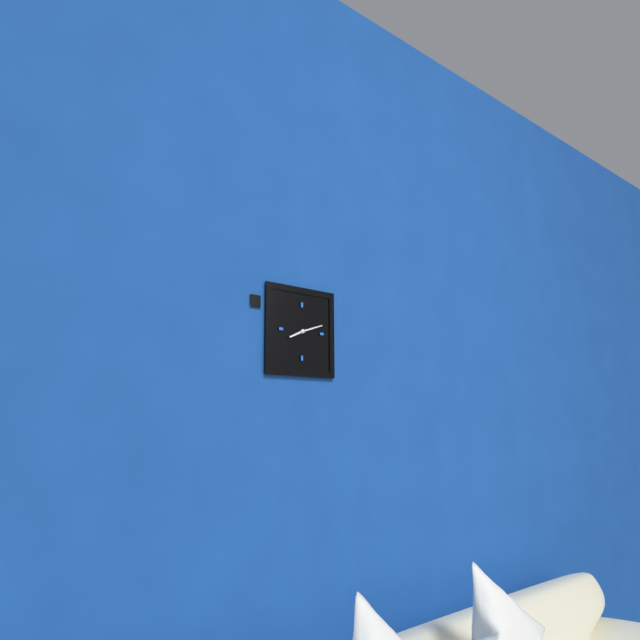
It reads 8 h 12 min
